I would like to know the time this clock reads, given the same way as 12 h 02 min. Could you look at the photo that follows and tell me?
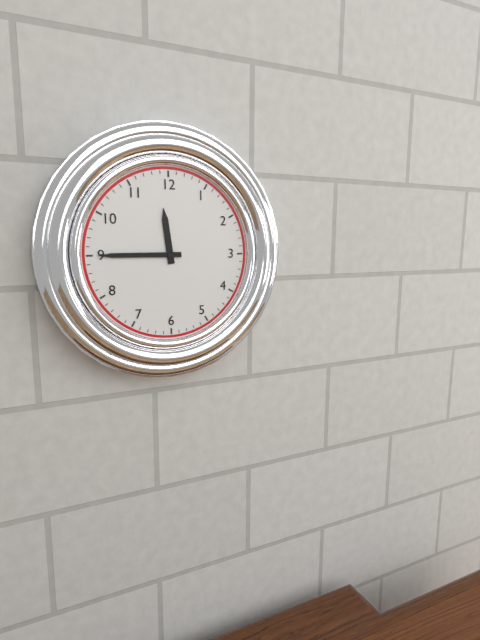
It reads 11 h 45 min
